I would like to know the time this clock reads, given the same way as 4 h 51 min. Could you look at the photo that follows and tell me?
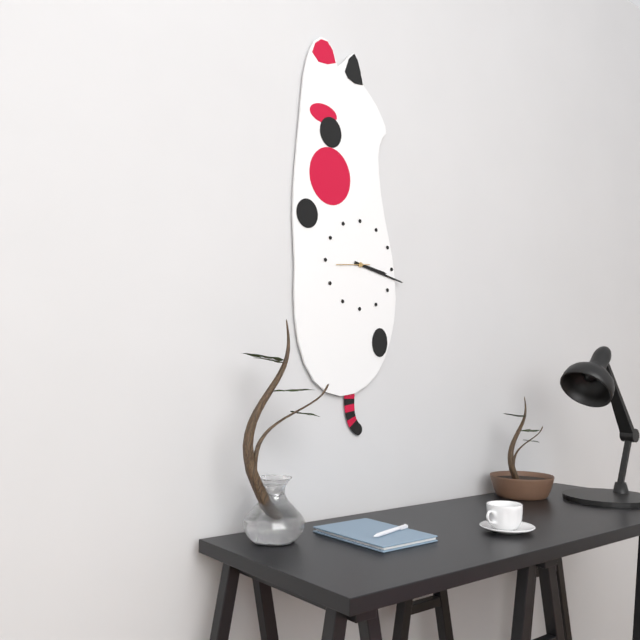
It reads 3 h 17 min
